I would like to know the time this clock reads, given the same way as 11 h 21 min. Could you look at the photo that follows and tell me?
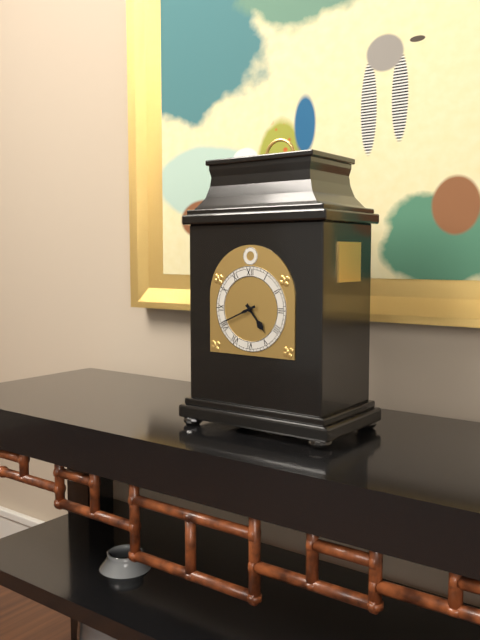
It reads 4 h 41 min
